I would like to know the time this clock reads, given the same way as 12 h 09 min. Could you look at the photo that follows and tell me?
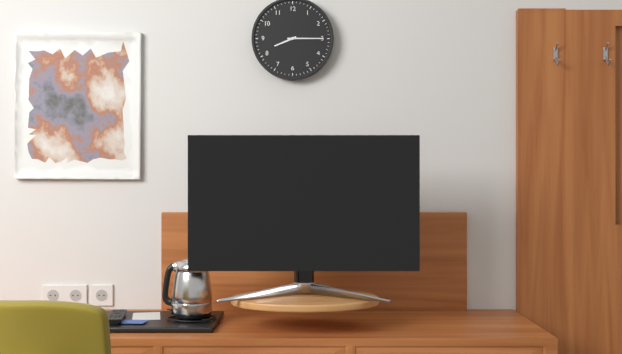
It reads 8 h 15 min
